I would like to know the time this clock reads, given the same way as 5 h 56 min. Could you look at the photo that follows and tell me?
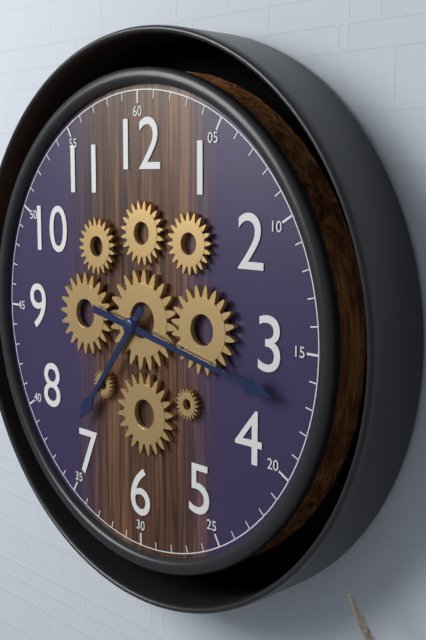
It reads 7 h 17 min
